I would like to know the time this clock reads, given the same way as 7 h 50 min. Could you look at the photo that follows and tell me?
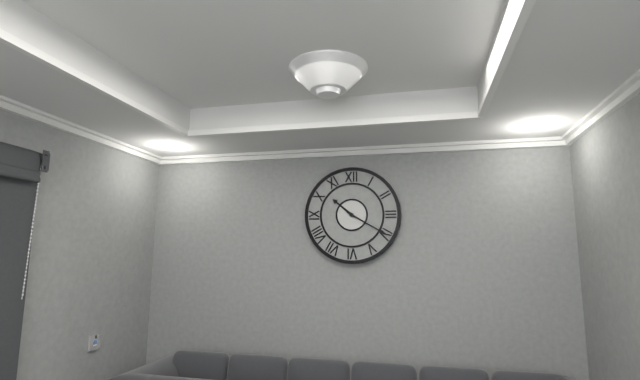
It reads 10 h 20 min
